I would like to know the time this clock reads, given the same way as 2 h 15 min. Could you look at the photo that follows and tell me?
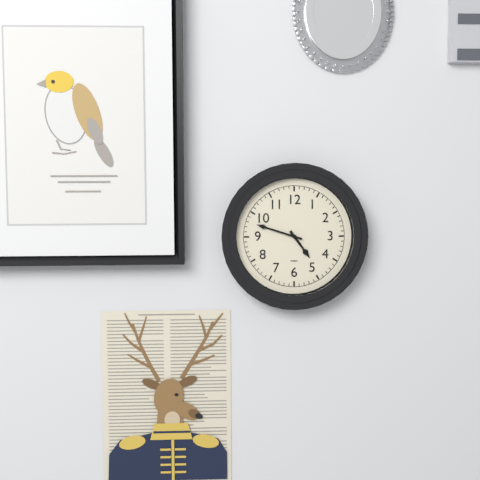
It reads 4 h 48 min
